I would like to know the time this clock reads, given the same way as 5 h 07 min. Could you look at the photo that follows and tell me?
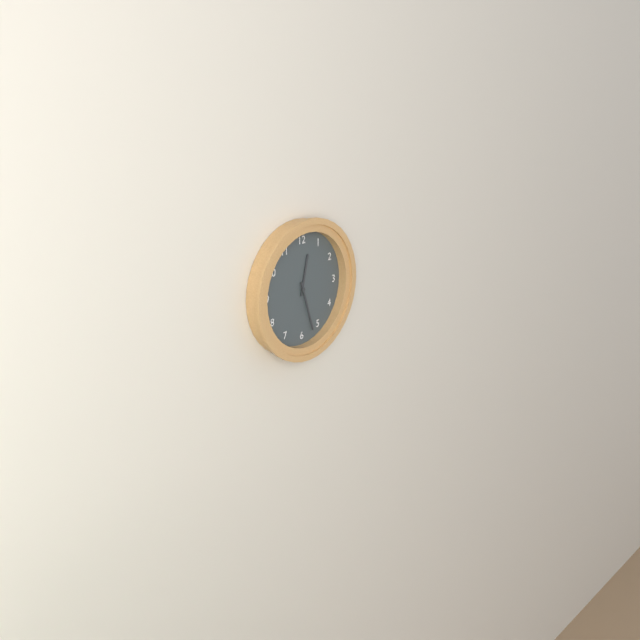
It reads 12 h 27 min
